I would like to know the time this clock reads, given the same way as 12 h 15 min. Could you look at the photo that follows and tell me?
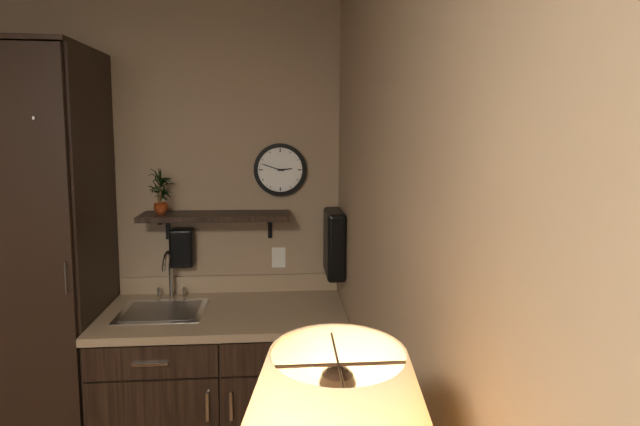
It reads 2 h 48 min
